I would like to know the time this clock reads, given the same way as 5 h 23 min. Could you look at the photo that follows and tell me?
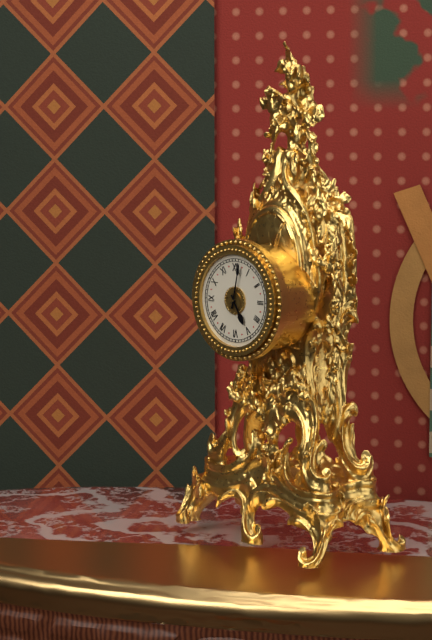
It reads 5 h 02 min
